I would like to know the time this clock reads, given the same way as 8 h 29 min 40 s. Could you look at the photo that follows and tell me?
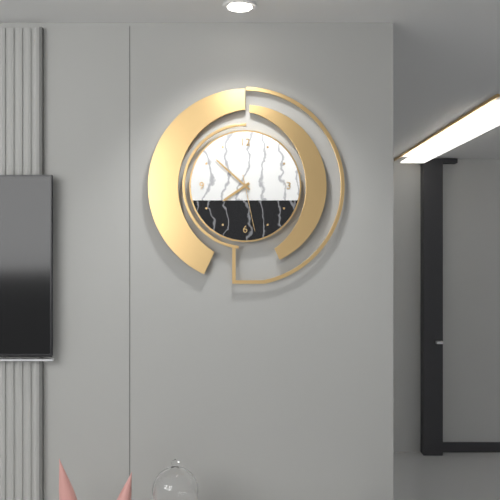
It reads 7 h 52 min 28 s
